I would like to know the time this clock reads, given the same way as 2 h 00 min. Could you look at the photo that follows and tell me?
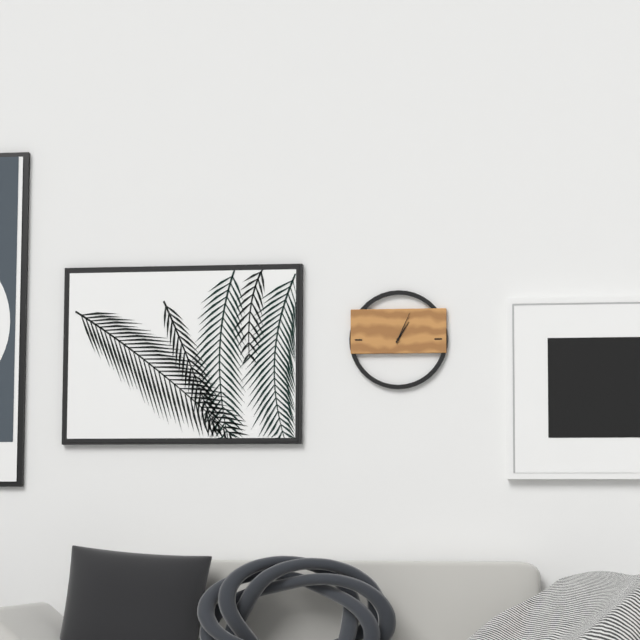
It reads 1 h 04 min
